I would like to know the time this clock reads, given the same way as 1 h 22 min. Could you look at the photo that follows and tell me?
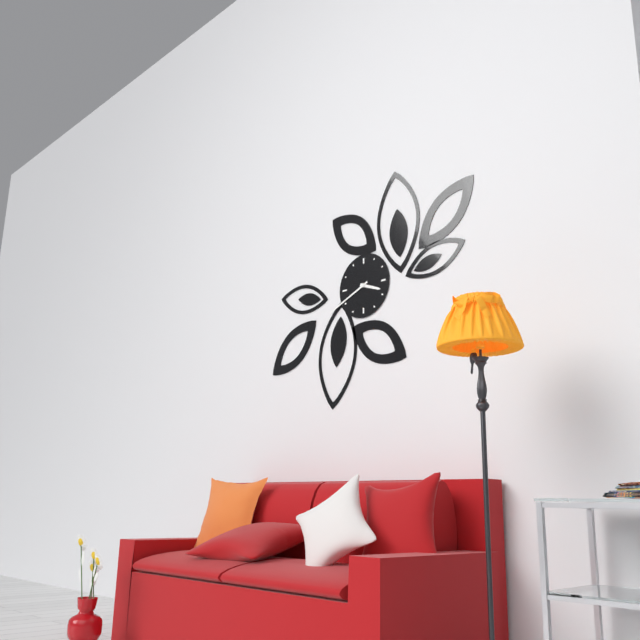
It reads 3 h 41 min
